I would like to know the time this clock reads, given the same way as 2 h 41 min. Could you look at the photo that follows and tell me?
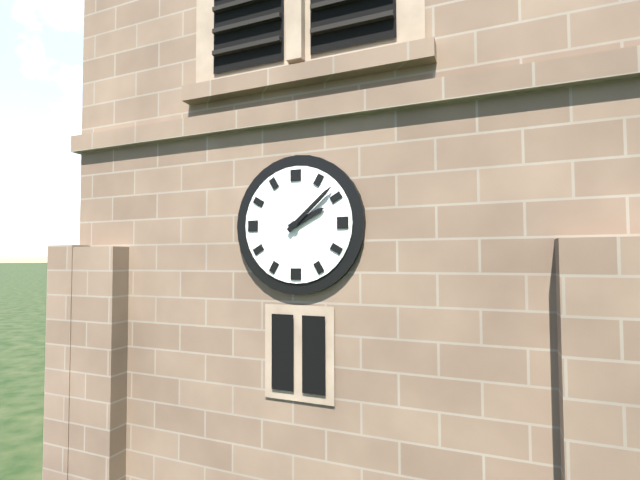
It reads 2 h 08 min
